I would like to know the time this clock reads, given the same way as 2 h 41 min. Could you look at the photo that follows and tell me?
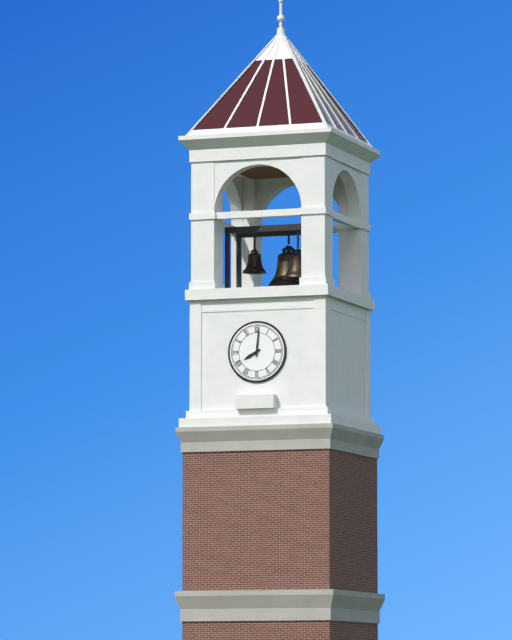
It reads 8 h 01 min
